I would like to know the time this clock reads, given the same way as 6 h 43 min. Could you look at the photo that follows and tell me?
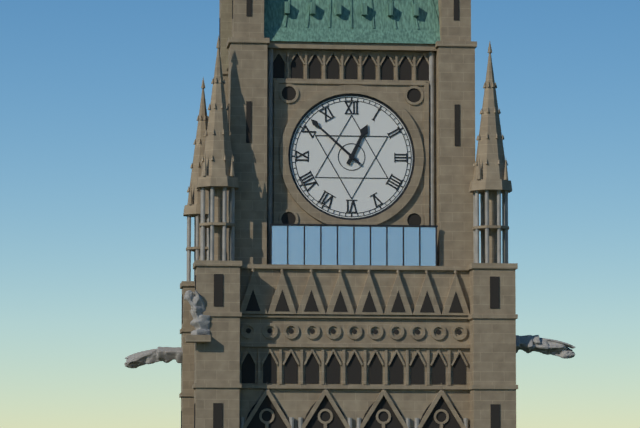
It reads 12 h 52 min
